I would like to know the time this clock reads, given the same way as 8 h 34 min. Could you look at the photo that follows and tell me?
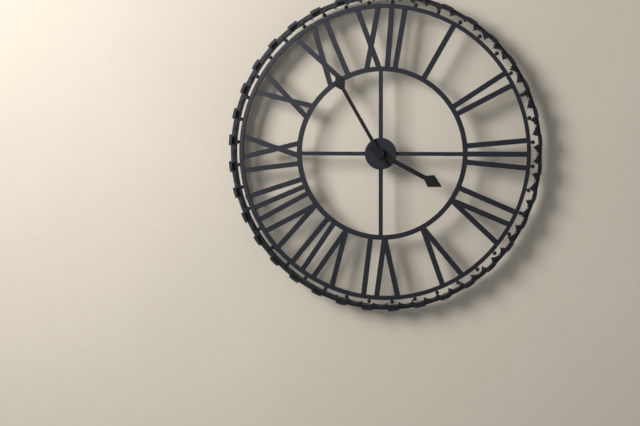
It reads 3 h 55 min
